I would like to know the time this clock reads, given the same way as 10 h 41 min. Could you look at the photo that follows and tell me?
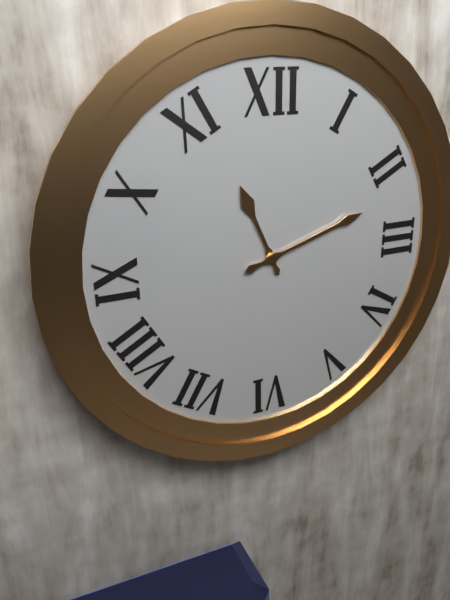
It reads 11 h 12 min
